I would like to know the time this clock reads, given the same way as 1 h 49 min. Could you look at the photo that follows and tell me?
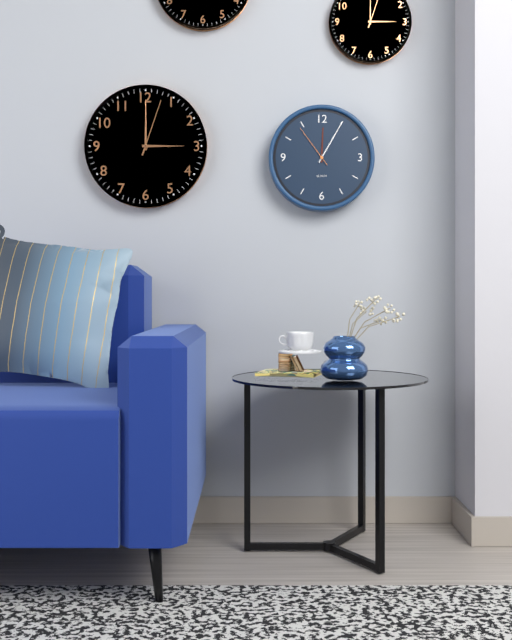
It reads 12 h 05 min
